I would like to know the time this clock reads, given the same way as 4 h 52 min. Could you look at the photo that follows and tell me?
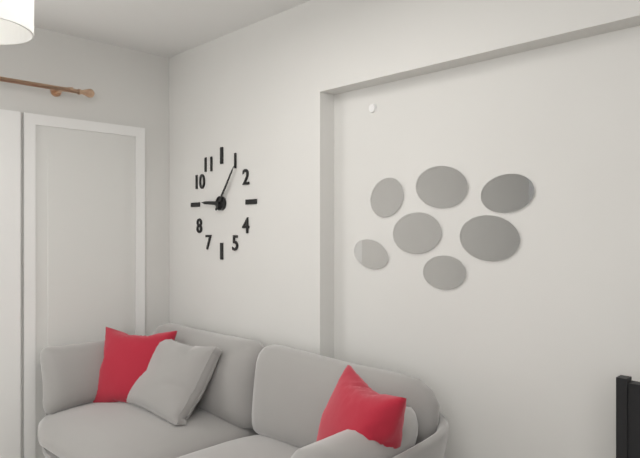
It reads 9 h 06 min
